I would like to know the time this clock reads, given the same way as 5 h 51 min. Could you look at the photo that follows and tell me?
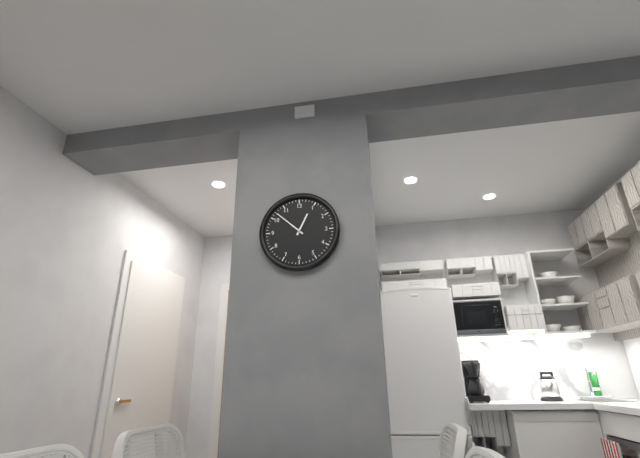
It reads 12 h 52 min
